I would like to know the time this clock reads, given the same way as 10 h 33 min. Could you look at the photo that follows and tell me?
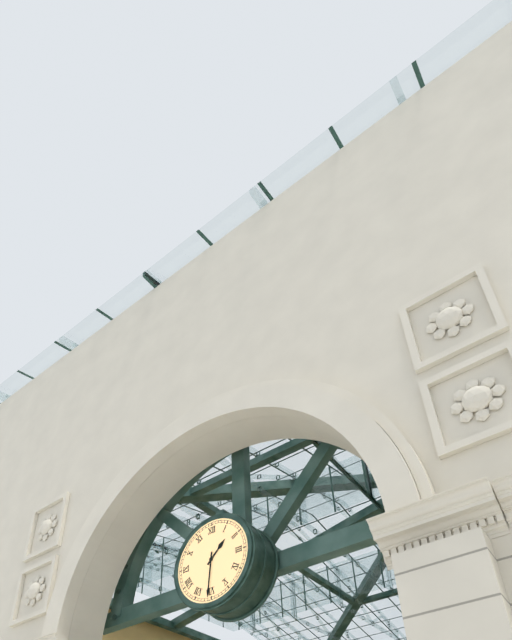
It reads 1 h 31 min
